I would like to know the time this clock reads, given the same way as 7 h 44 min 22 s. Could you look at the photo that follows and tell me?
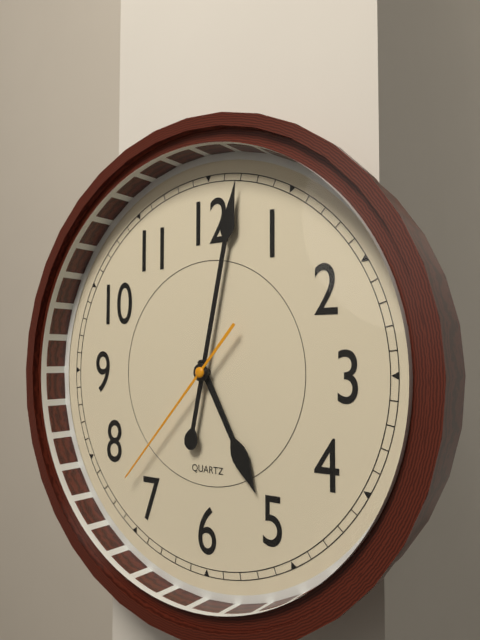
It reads 5 h 02 min 37 s
